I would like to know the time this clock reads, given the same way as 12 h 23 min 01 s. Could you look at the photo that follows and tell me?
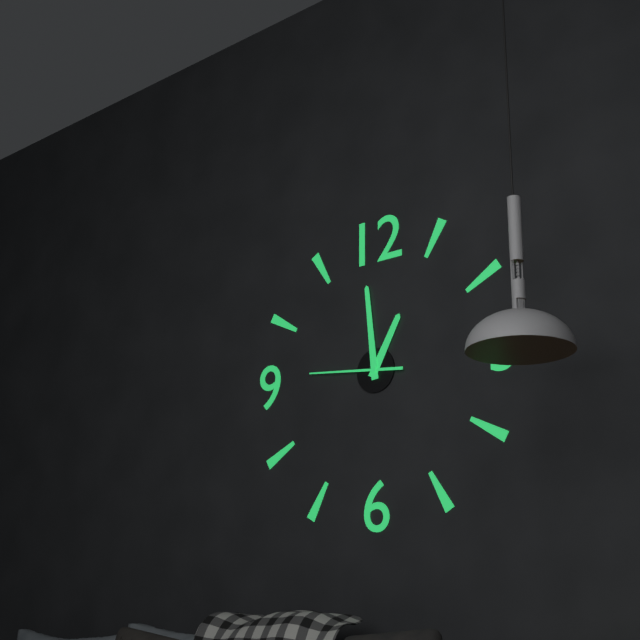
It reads 12 h 59 min 46 s
